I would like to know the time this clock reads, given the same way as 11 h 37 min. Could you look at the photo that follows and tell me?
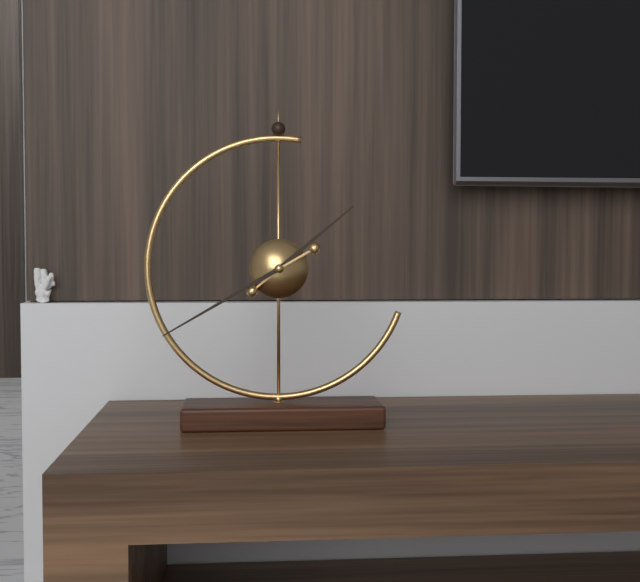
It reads 1 h 40 min
